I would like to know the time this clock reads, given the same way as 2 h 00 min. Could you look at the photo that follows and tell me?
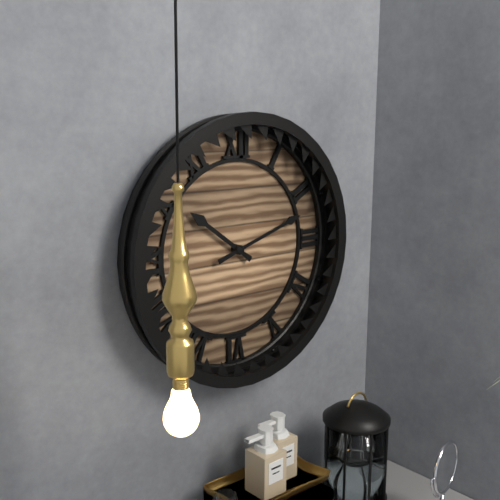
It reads 10 h 12 min
